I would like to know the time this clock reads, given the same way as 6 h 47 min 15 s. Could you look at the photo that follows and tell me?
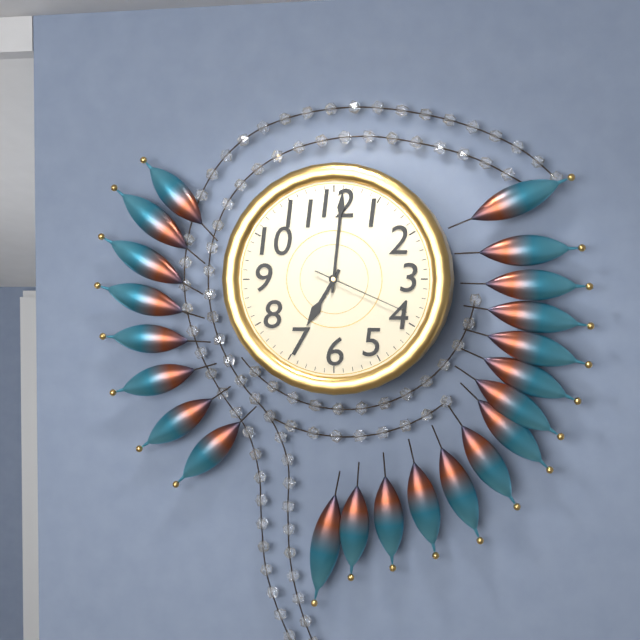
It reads 7 h 01 min 19 s
